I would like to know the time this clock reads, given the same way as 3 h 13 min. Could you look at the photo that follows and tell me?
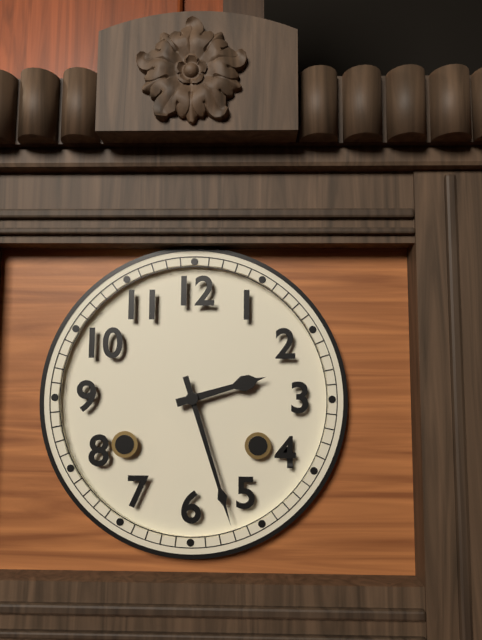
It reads 2 h 27 min
